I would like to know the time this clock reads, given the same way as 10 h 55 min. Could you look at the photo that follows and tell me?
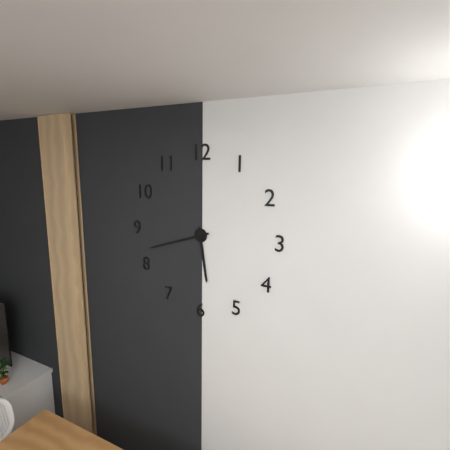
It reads 5 h 42 min
